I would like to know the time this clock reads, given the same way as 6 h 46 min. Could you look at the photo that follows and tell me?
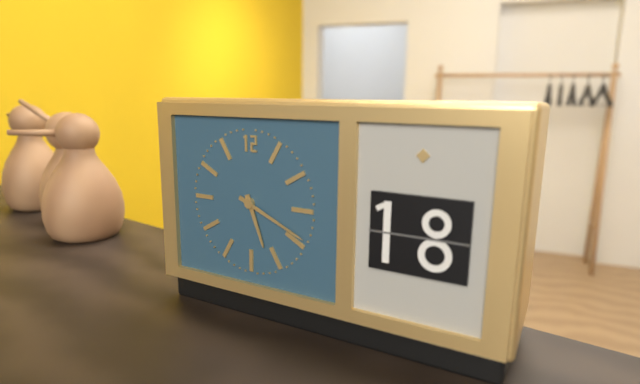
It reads 5 h 19 min
